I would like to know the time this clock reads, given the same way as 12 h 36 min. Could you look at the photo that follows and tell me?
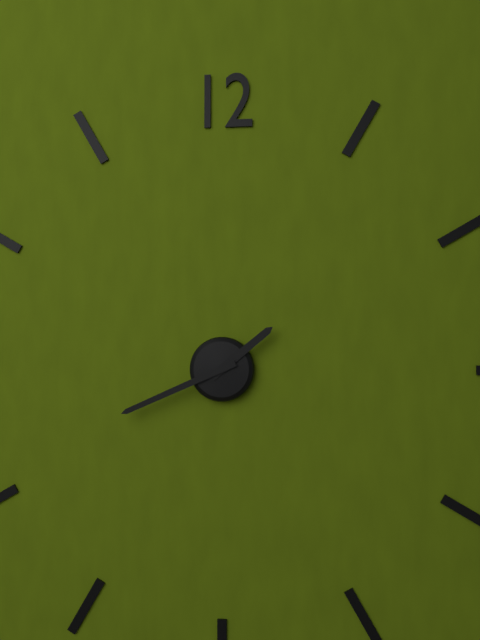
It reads 1 h 41 min
